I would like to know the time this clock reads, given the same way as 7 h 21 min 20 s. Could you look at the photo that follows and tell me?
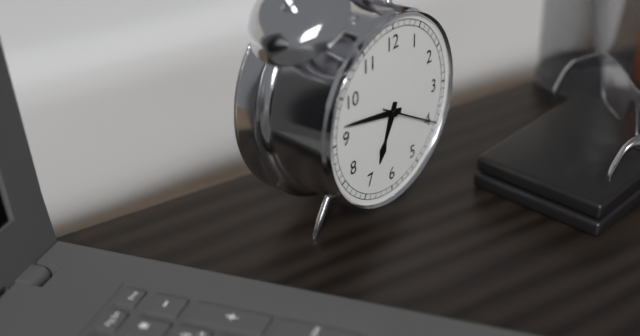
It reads 6 h 47 min 20 s
